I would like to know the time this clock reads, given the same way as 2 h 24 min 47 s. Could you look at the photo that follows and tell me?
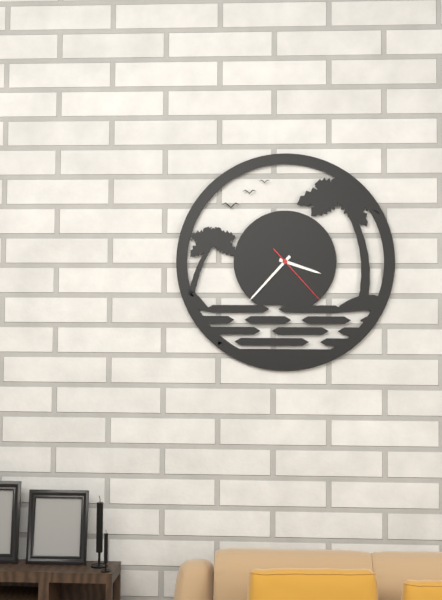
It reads 3 h 37 min 23 s
